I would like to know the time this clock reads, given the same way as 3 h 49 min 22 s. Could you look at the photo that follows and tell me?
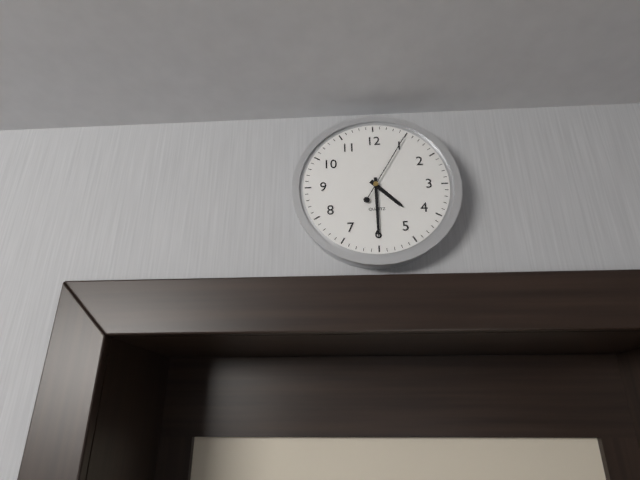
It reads 4 h 30 min 05 s
